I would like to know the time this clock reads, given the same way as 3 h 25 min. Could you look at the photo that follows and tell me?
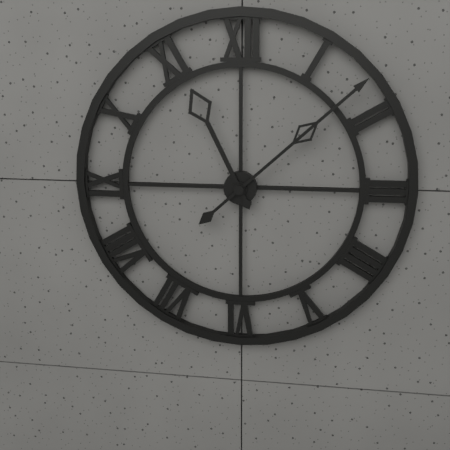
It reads 11 h 08 min
